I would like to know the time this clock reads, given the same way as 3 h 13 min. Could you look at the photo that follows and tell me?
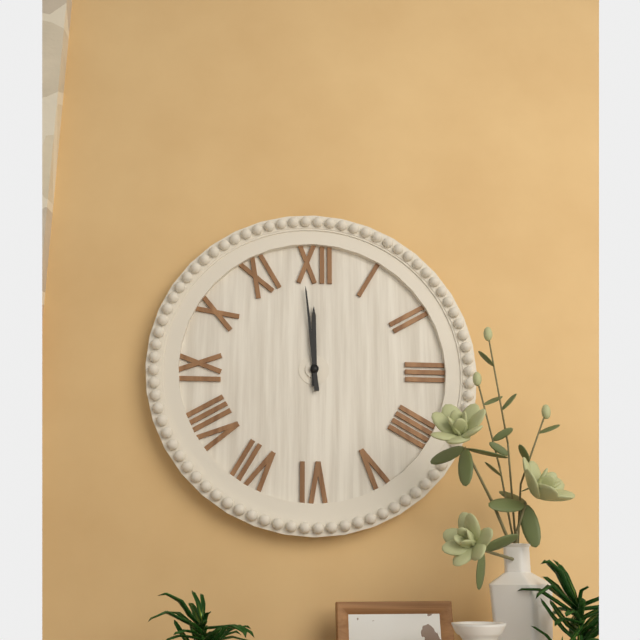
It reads 11 h 59 min
